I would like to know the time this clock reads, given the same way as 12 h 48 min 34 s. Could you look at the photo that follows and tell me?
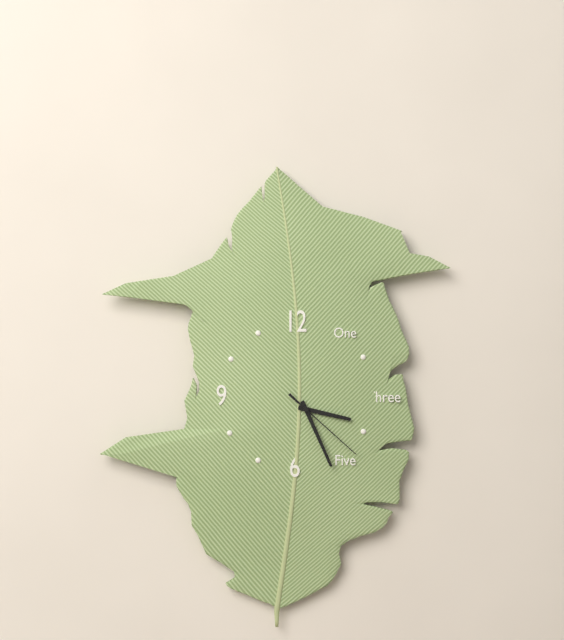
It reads 3 h 26 min 22 s
